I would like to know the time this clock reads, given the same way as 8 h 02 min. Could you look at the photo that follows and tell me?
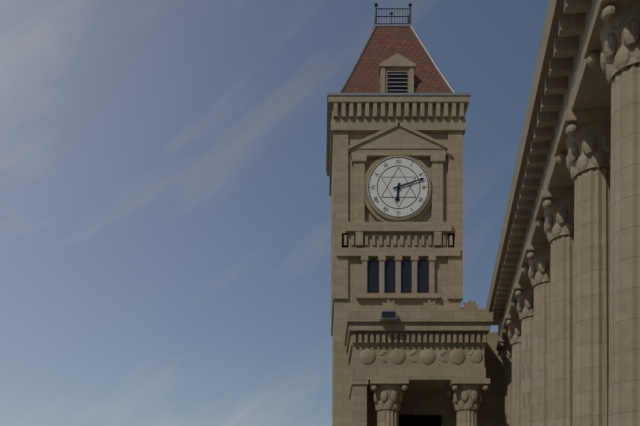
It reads 6 h 12 min
